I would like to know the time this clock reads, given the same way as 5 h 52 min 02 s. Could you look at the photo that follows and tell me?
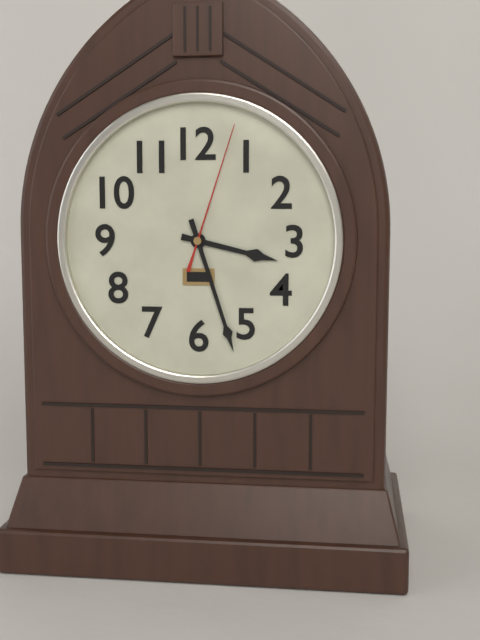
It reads 3 h 27 min 03 s
